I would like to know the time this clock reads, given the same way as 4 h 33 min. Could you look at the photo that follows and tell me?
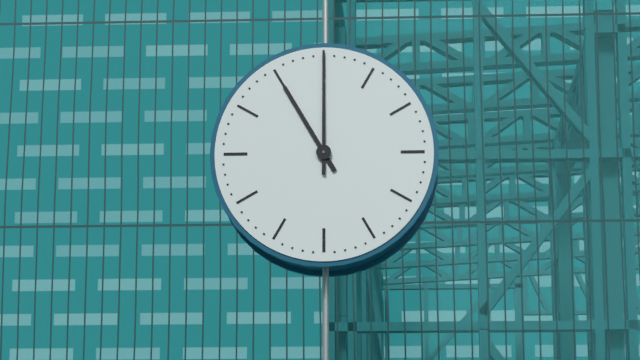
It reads 11 h 00 min
